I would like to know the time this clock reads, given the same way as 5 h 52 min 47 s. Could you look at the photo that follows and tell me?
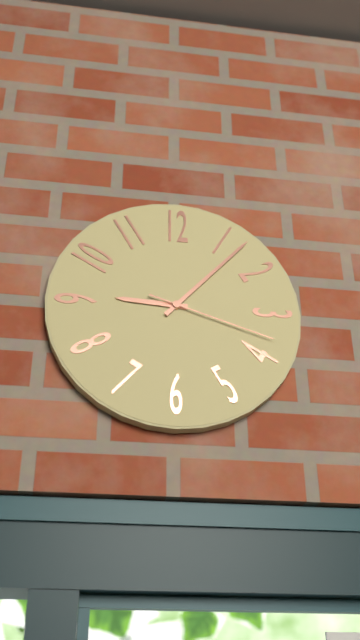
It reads 9 h 07 min 18 s
